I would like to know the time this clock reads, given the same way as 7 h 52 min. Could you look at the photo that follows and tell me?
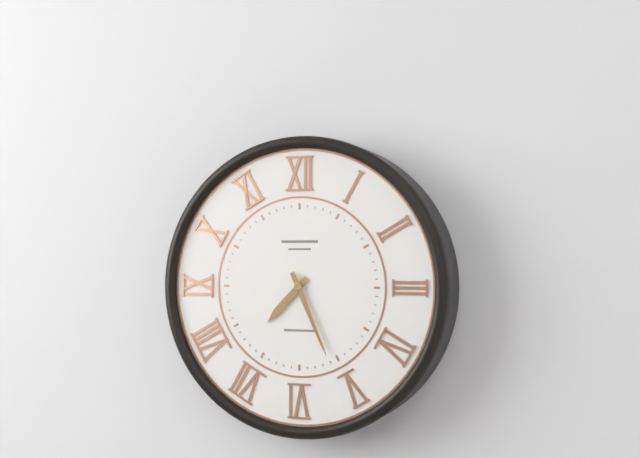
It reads 7 h 26 min
